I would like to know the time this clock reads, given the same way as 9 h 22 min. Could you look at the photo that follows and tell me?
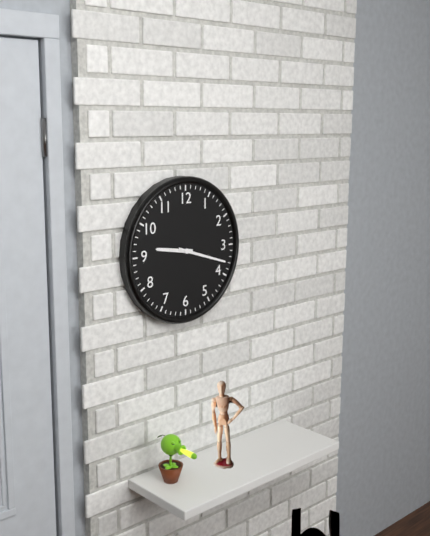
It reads 9 h 18 min
